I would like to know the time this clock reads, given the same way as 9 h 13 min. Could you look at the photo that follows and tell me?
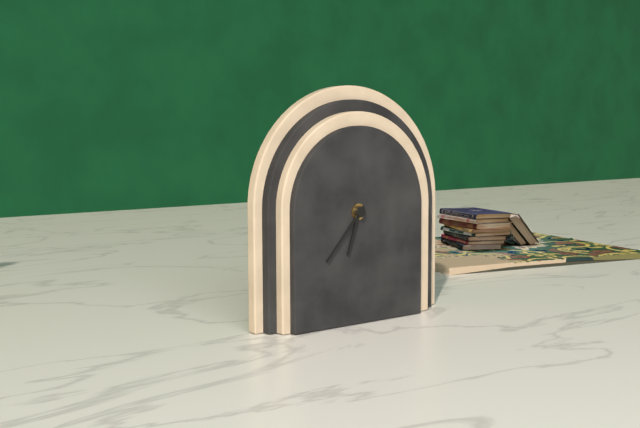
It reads 6 h 37 min
